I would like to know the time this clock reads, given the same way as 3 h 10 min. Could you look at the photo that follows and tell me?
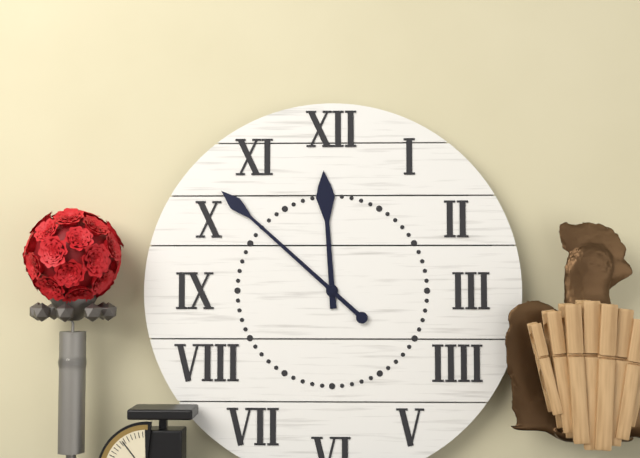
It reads 11 h 52 min
